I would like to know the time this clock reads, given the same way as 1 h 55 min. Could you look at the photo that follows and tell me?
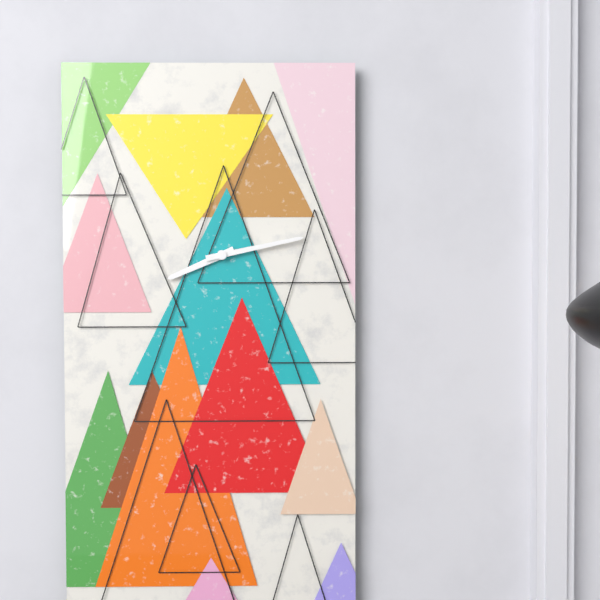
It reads 8 h 13 min
